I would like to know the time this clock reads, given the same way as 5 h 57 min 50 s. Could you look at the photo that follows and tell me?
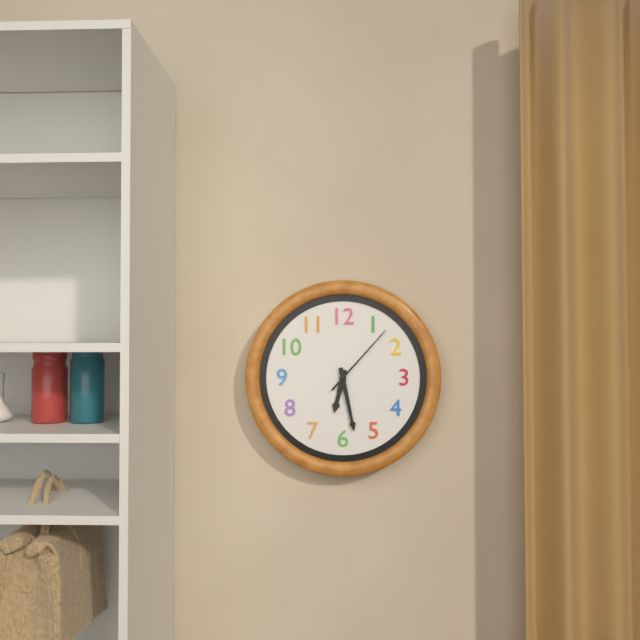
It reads 6 h 28 min 07 s
